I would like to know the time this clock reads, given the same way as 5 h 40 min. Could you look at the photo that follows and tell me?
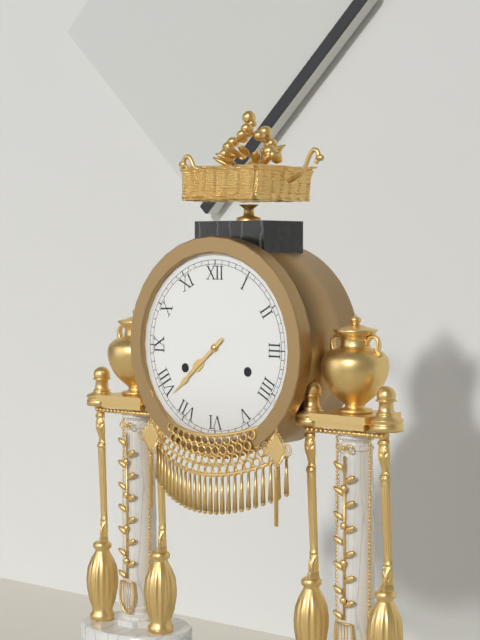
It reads 7 h 38 min
